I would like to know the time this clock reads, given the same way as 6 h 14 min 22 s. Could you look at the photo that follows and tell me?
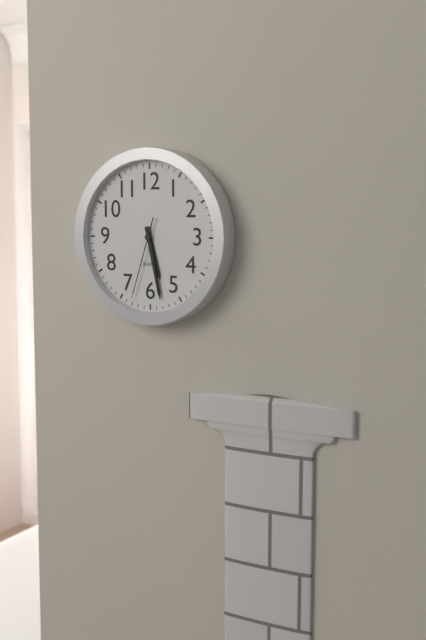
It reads 5 h 28 min 33 s
